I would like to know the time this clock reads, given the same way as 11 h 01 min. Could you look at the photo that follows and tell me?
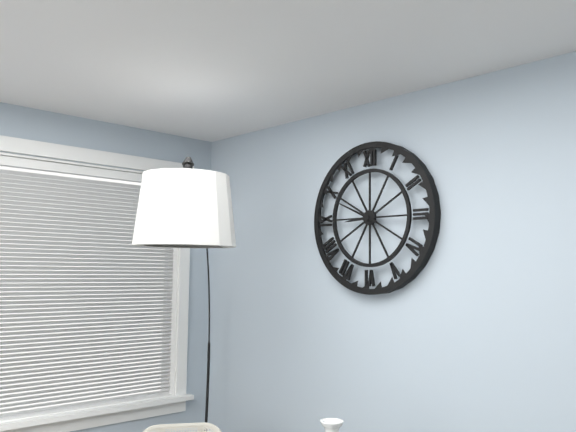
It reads 8 h 49 min
